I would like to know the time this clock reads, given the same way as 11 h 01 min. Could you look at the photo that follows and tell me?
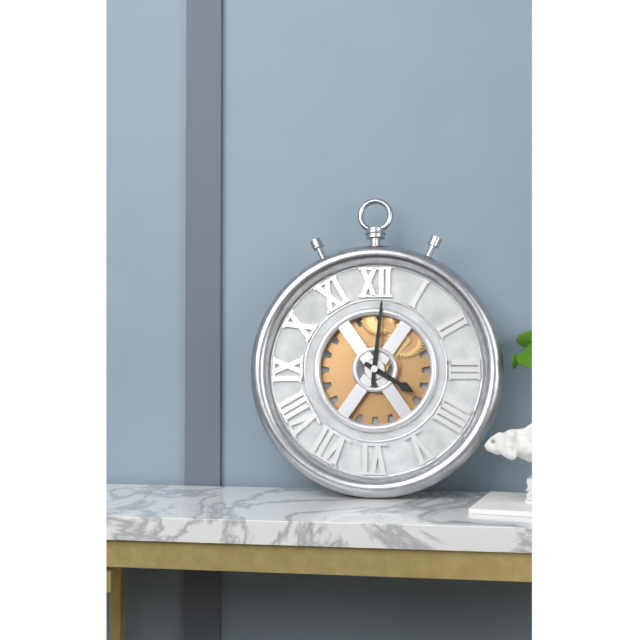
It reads 4 h 01 min
